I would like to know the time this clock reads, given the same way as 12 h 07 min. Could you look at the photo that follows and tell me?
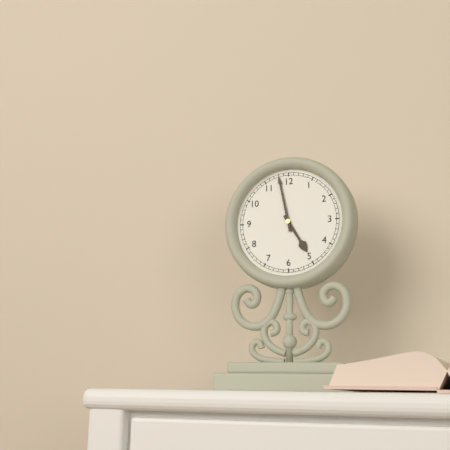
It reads 4 h 58 min
